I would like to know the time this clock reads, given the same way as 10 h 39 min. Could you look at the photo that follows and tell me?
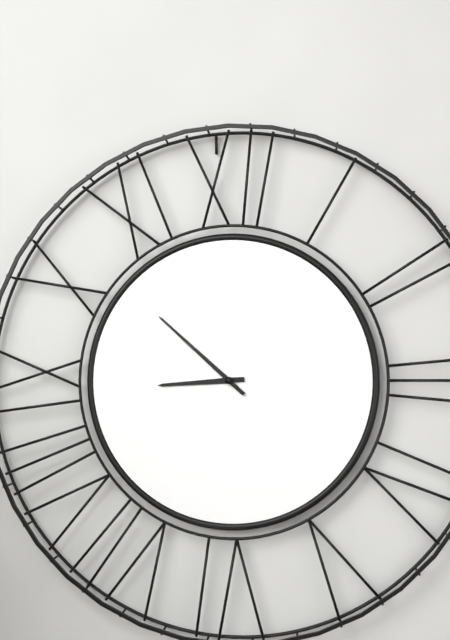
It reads 8 h 52 min
